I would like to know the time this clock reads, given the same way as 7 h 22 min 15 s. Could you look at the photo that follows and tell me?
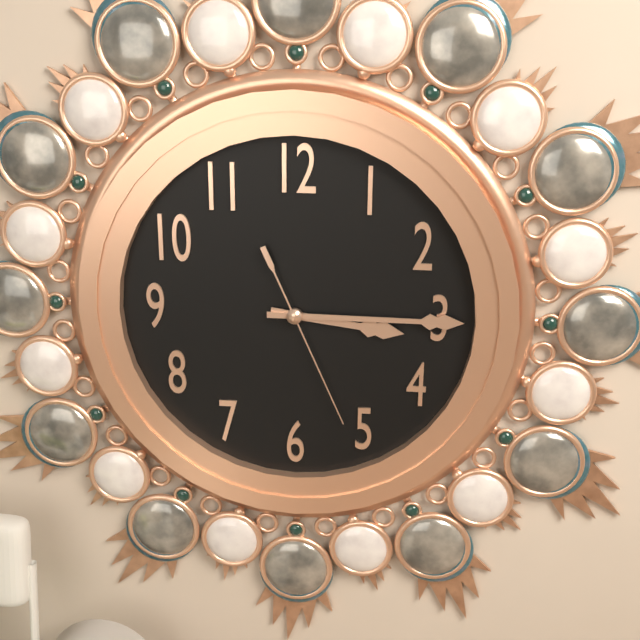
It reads 3 h 15 min 26 s
